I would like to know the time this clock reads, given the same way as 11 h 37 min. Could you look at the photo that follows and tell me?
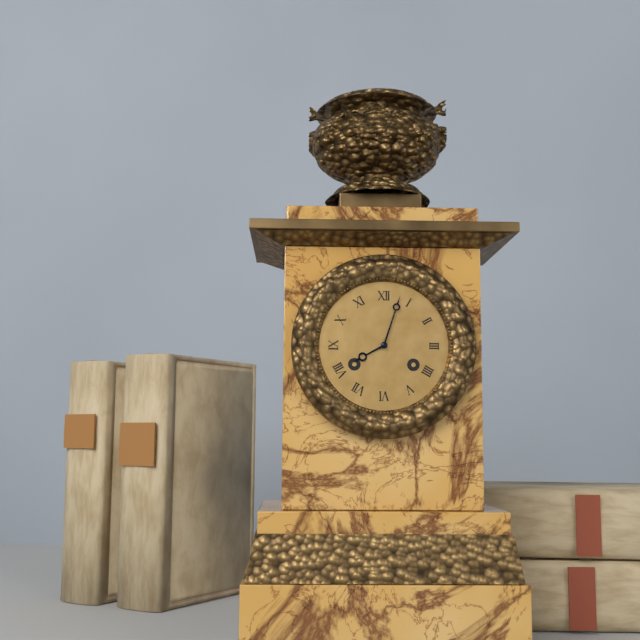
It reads 8 h 03 min
